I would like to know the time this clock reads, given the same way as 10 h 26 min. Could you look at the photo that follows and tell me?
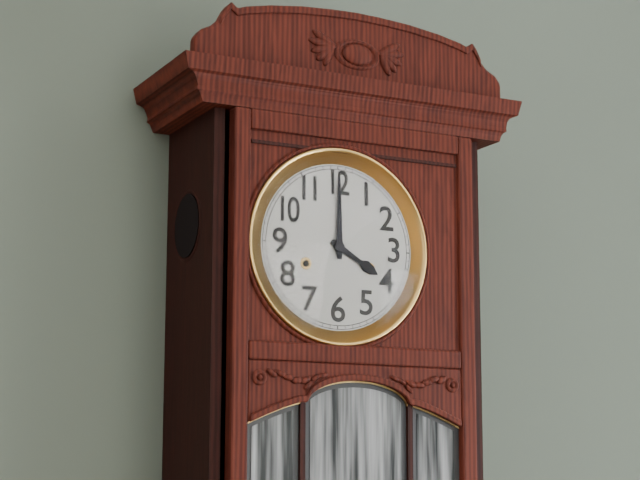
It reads 4 h 00 min
